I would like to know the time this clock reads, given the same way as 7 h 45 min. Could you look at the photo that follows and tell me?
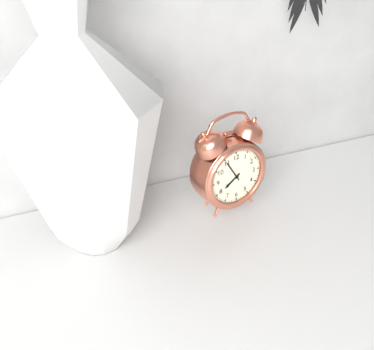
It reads 7 h 55 min
